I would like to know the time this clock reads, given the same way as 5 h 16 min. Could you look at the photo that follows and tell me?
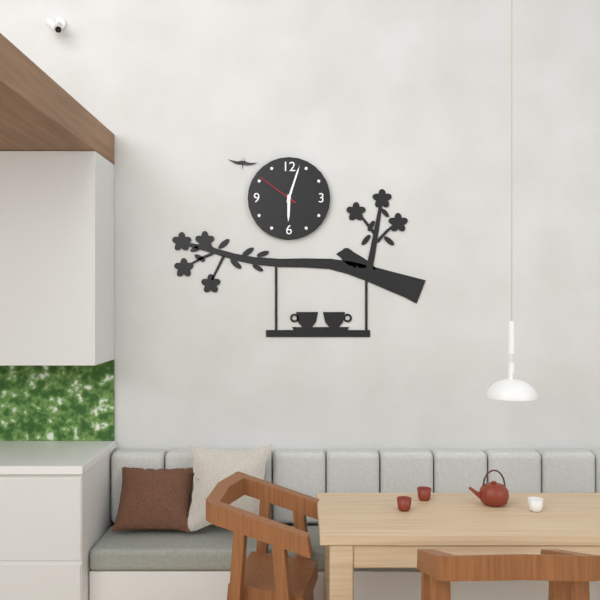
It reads 6 h 03 min
